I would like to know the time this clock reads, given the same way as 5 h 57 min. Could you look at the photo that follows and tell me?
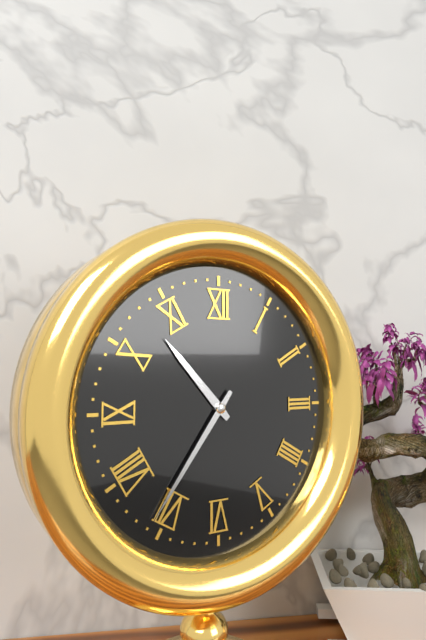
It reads 10 h 36 min
